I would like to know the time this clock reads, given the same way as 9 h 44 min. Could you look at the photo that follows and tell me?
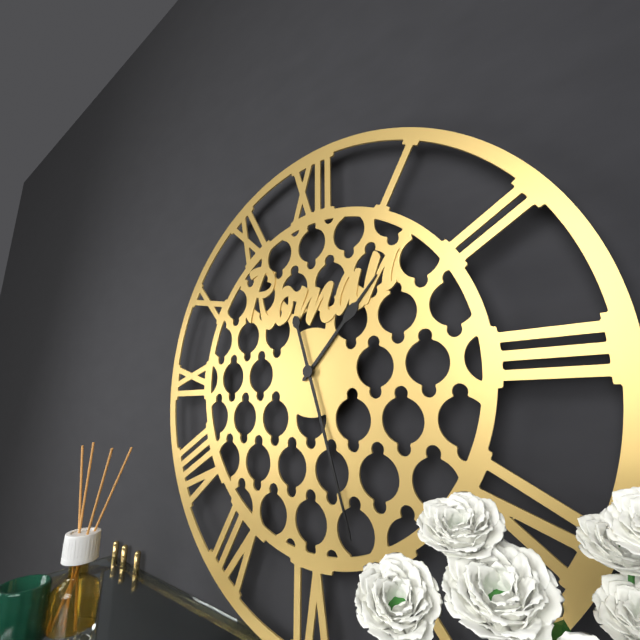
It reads 1 h 27 min
